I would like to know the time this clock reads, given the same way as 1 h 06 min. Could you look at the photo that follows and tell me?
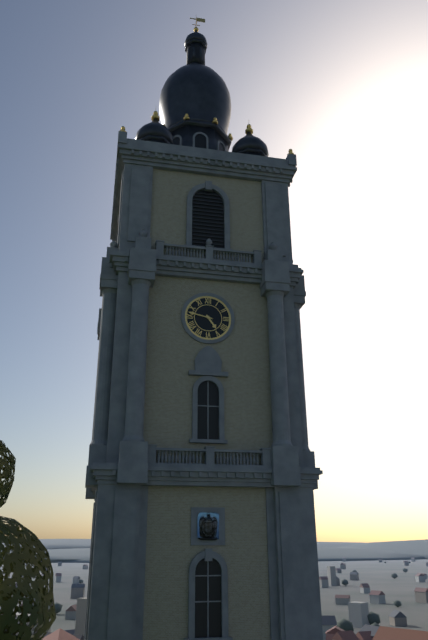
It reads 4 h 47 min
